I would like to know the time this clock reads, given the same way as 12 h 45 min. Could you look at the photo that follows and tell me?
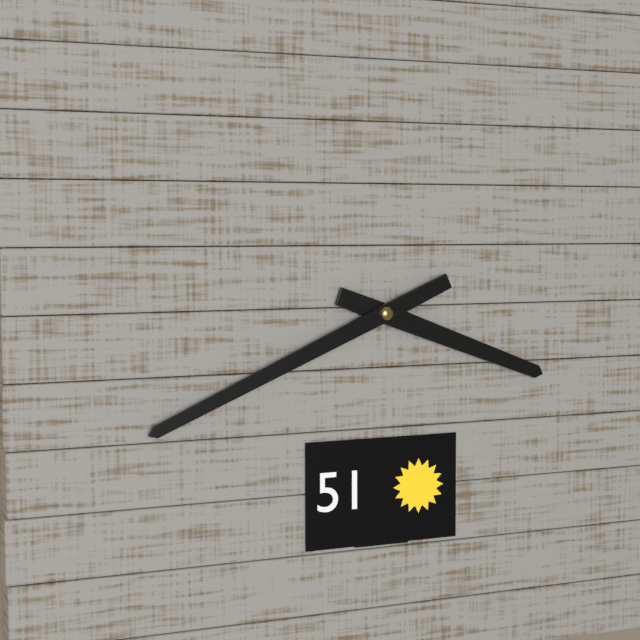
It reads 3 h 41 min
